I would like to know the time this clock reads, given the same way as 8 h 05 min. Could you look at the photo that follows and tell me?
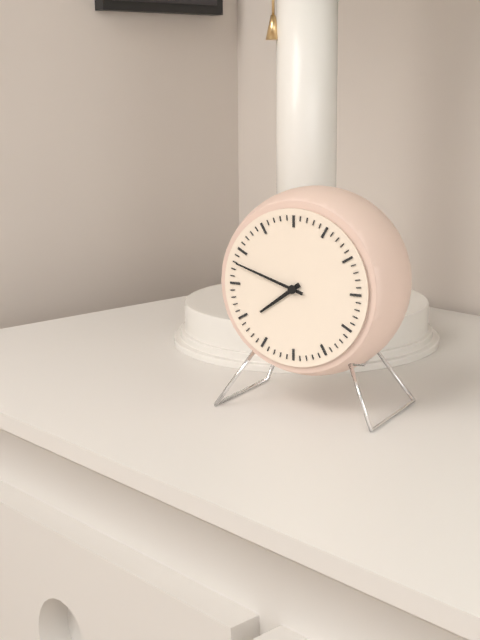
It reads 7 h 48 min
